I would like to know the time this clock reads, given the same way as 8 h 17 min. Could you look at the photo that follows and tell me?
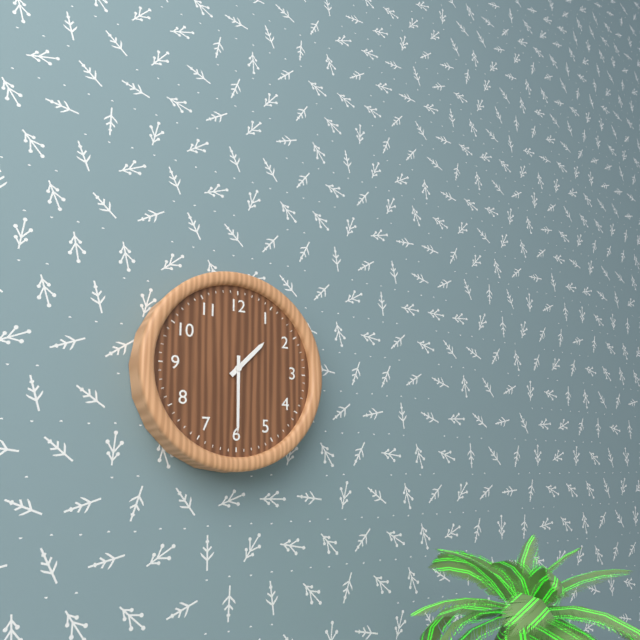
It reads 1 h 30 min
